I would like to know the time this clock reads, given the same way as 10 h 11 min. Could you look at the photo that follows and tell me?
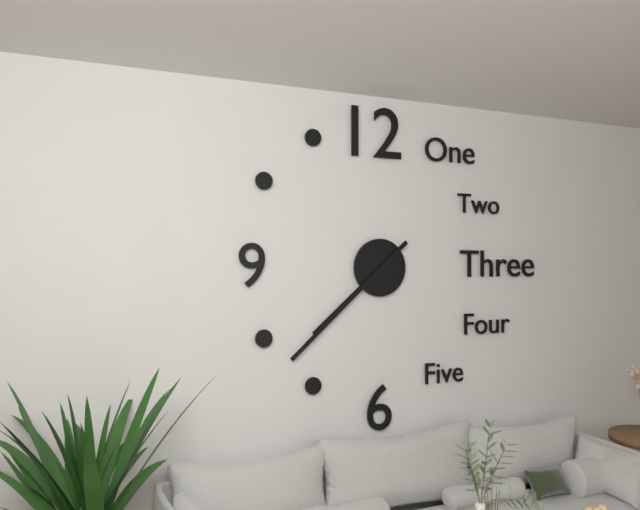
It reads 7 h 38 min
